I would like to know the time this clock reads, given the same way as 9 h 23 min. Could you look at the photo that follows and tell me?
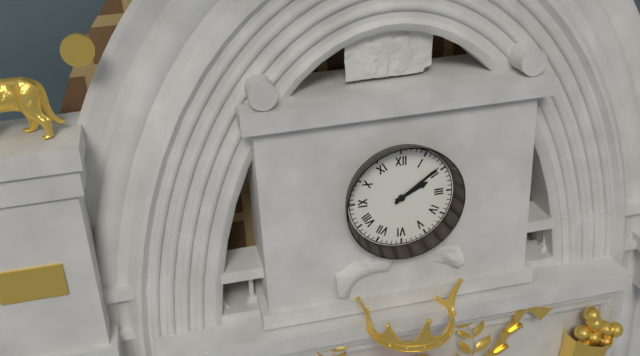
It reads 2 h 09 min
